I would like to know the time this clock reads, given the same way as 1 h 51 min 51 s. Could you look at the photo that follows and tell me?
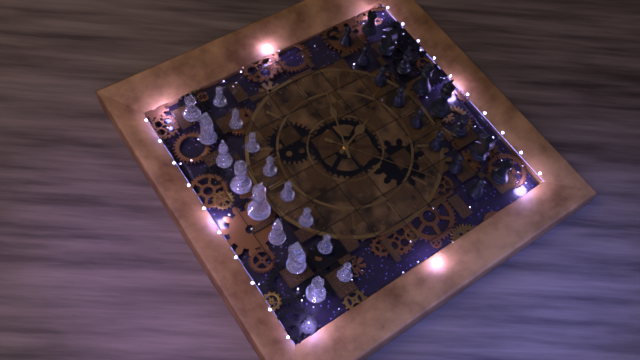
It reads 5 h 18 min 39 s
